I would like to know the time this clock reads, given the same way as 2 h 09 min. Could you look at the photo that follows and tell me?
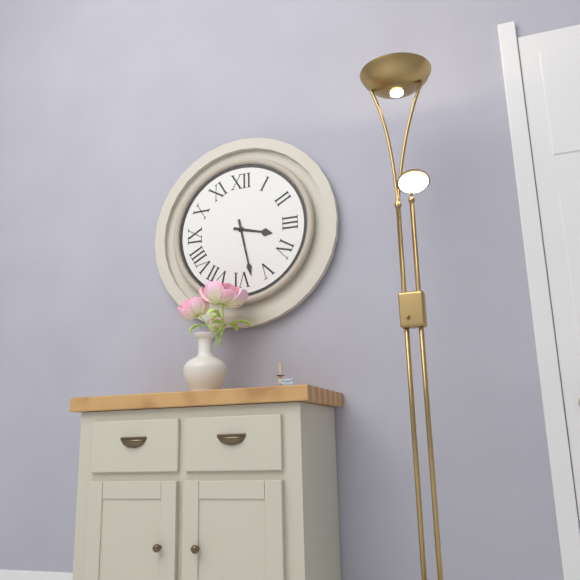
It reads 3 h 28 min
